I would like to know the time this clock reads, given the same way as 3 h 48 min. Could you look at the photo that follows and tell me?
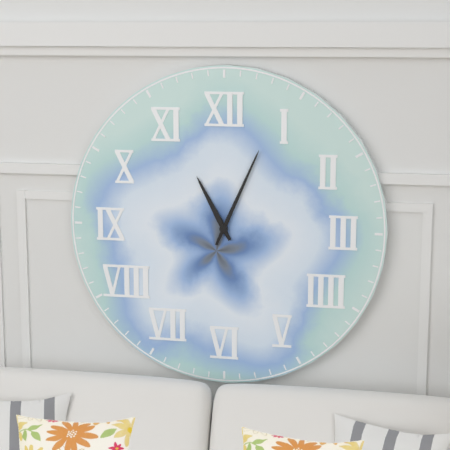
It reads 11 h 04 min
